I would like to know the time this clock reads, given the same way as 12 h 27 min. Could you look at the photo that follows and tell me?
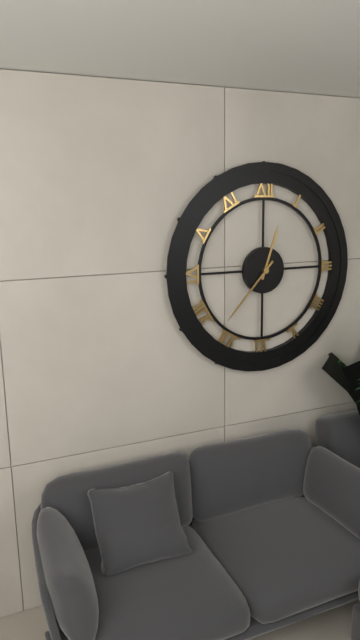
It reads 12 h 37 min
